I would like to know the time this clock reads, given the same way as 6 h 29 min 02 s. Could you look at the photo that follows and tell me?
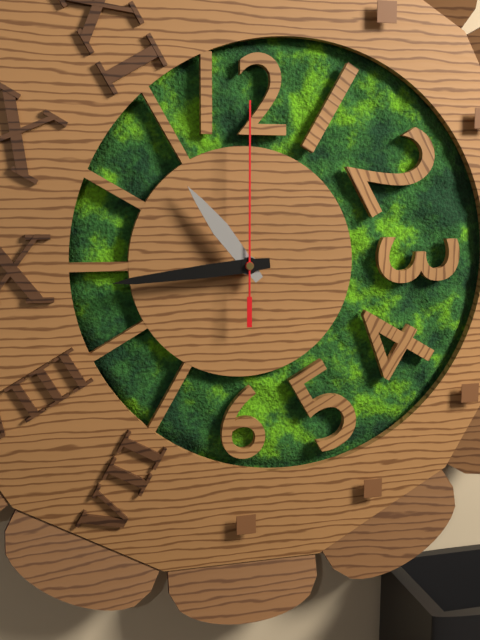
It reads 10 h 44 min 00 s
